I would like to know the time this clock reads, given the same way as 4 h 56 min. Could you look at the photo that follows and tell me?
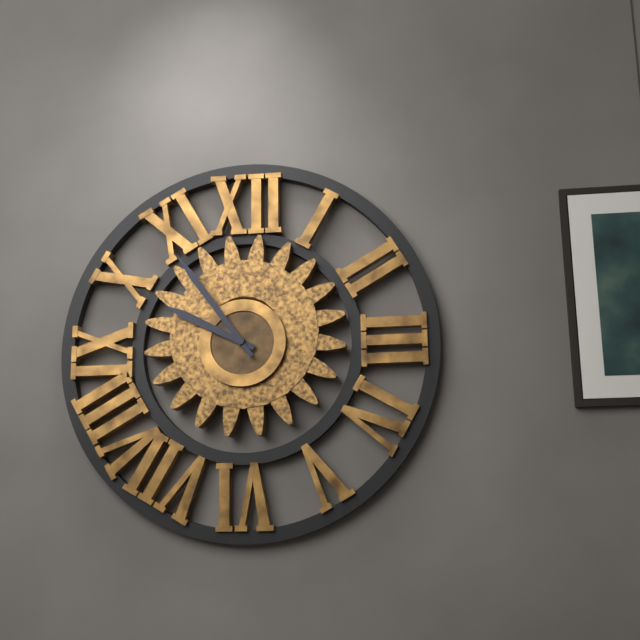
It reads 9 h 54 min
